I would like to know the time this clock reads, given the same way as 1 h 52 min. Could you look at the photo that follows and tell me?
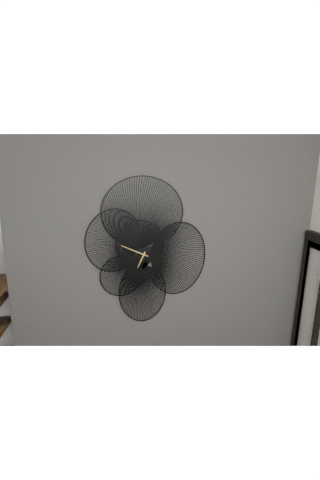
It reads 6 h 49 min
